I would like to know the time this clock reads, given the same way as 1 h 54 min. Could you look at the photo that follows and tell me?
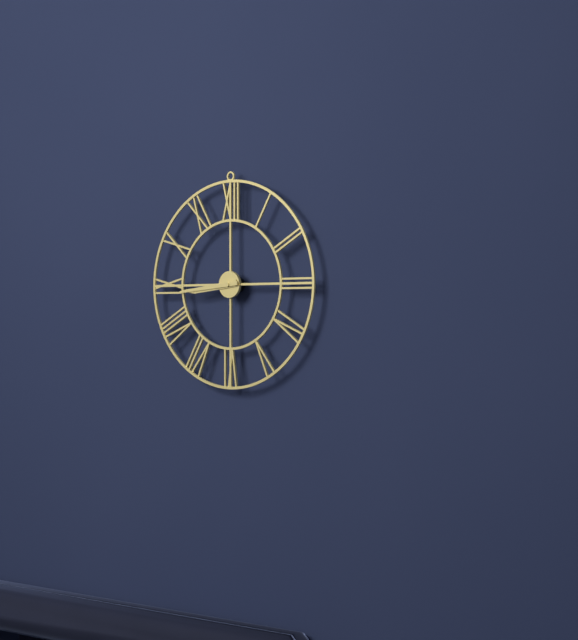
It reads 8 h 44 min
